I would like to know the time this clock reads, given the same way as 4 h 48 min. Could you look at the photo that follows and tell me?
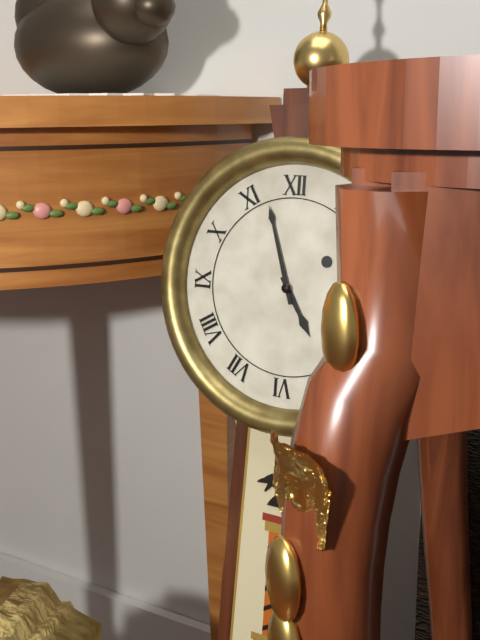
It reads 4 h 57 min
